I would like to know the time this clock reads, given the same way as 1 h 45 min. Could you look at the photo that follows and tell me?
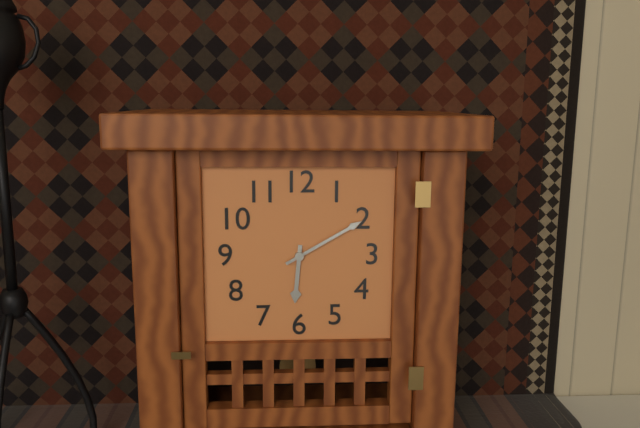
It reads 6 h 10 min
